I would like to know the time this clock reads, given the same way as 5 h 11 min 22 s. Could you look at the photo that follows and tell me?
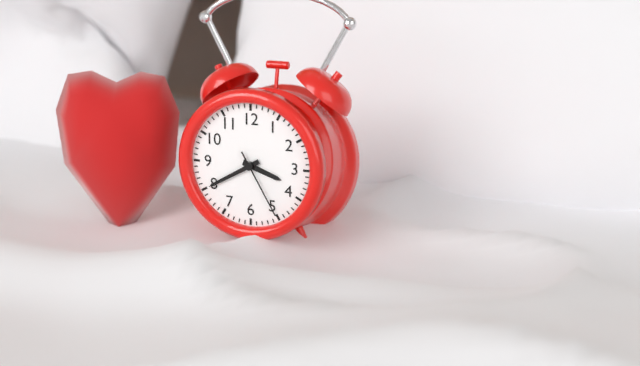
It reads 3 h 40 min 25 s
